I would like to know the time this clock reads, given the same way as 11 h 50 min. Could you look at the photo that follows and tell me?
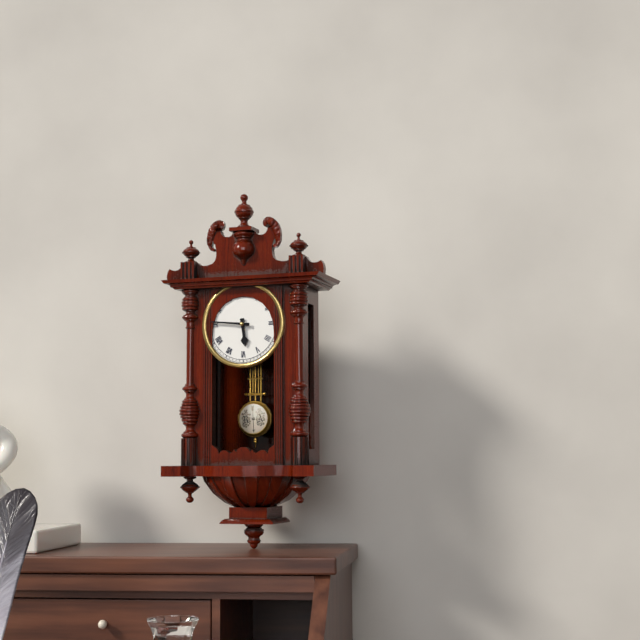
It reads 5 h 46 min
